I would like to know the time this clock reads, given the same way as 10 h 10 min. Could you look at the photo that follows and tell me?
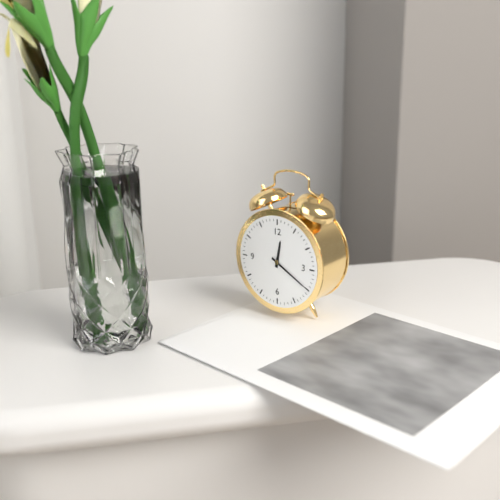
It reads 12 h 20 min
